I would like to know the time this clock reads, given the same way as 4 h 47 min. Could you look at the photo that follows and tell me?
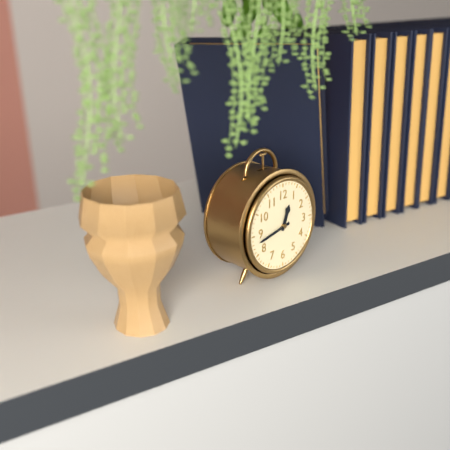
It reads 12 h 43 min
